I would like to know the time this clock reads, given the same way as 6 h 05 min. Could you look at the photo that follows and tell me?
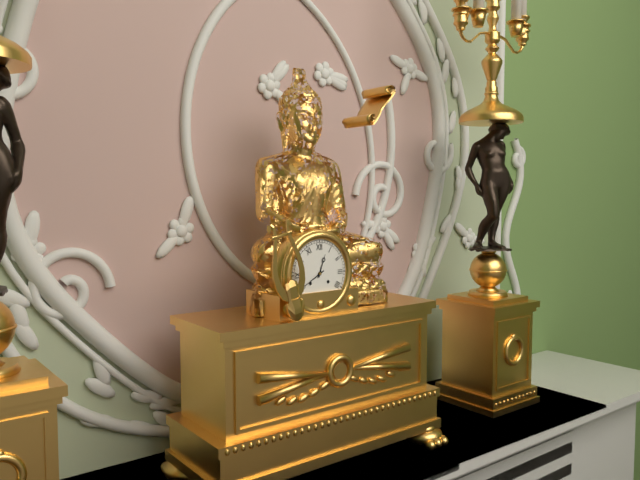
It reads 12 h 40 min
